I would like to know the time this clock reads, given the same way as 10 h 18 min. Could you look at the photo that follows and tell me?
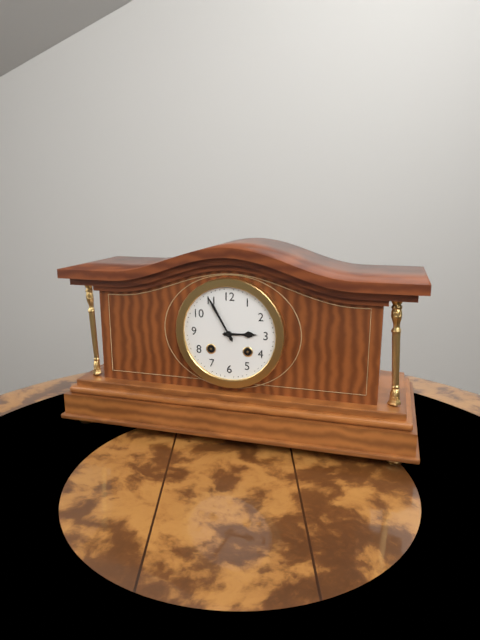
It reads 2 h 55 min
